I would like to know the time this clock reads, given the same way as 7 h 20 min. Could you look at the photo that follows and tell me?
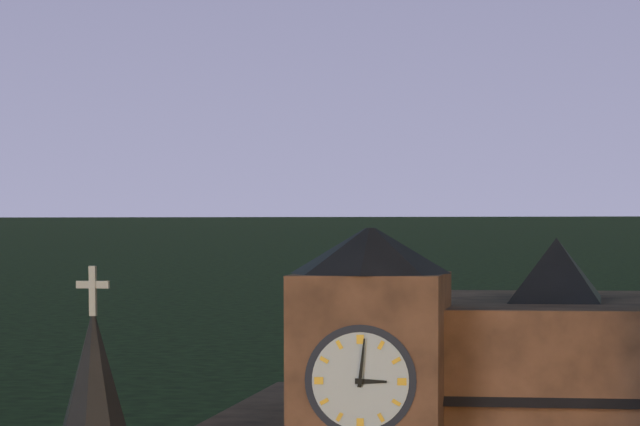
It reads 3 h 01 min
